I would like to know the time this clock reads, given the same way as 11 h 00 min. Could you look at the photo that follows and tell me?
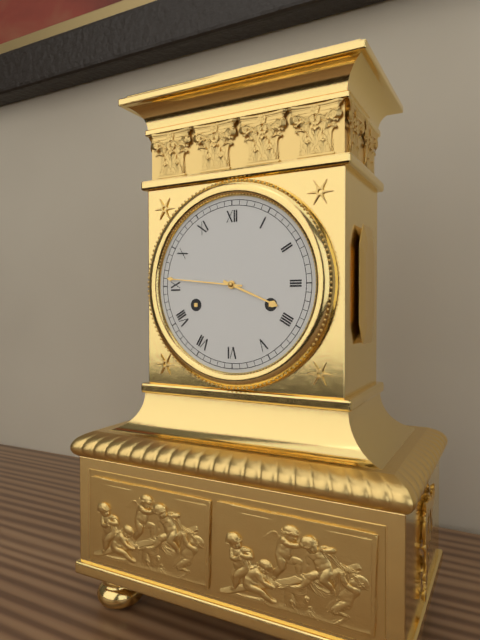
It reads 3 h 46 min
